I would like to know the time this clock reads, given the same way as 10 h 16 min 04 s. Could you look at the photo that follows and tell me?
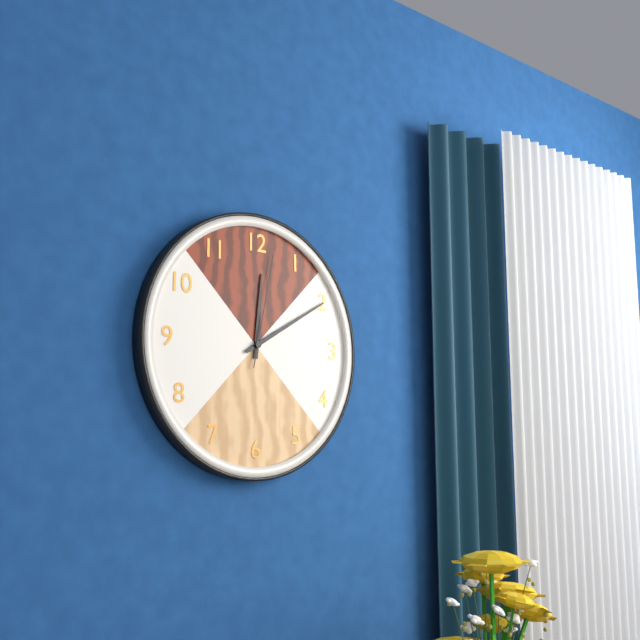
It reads 12 h 10 min 02 s
